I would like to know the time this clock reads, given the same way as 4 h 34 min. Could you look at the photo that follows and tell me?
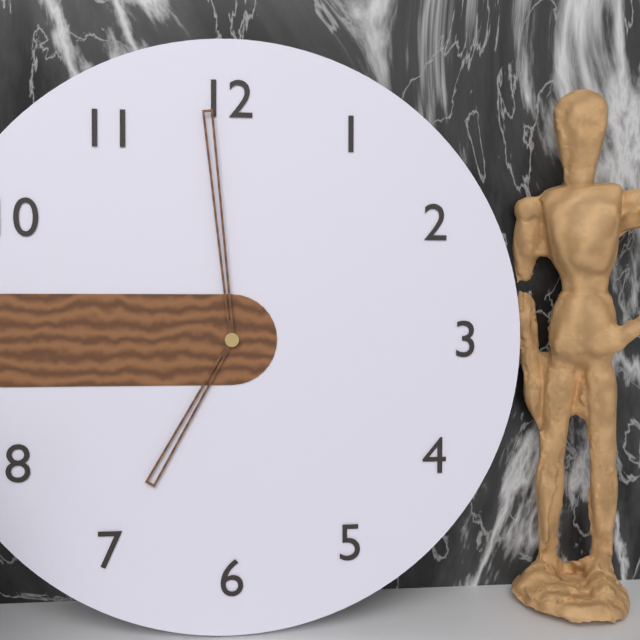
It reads 6 h 59 min
